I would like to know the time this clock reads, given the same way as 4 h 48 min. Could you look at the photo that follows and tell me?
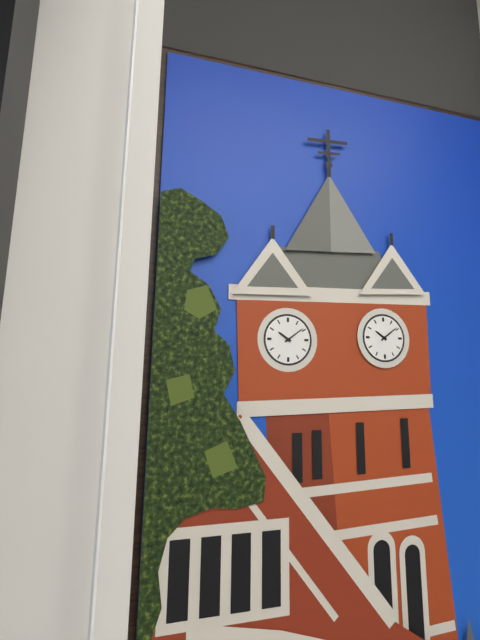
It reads 10 h 09 min
